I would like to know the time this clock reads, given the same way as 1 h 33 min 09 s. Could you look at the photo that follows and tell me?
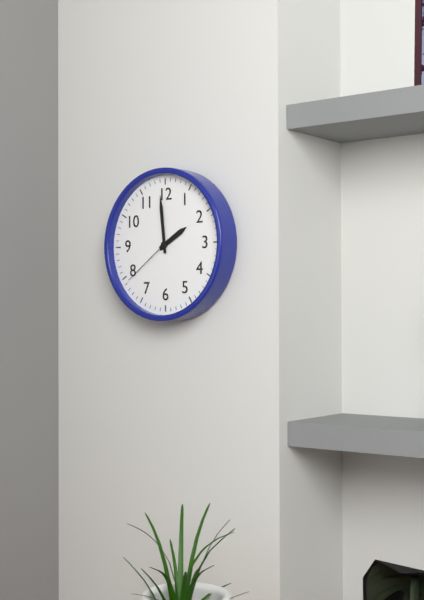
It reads 1 h 59 min 39 s
